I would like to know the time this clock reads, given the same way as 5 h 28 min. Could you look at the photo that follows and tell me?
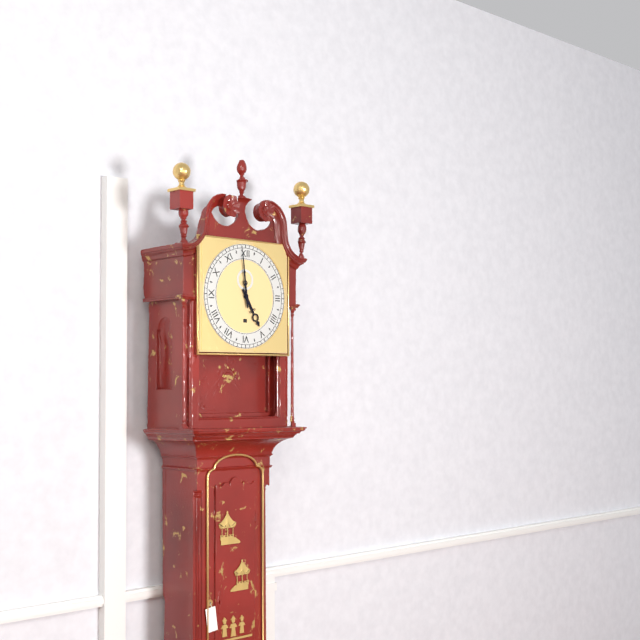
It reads 4 h 59 min
